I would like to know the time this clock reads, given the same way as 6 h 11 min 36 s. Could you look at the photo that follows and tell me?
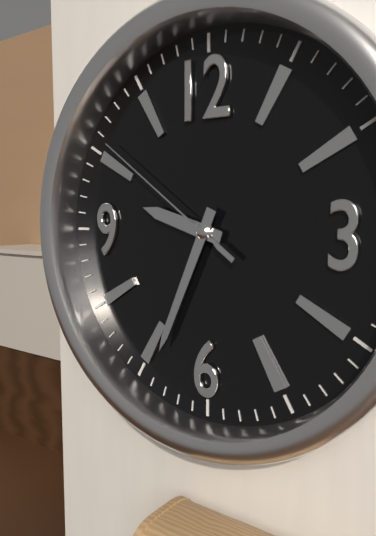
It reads 9 h 34 min 51 s
